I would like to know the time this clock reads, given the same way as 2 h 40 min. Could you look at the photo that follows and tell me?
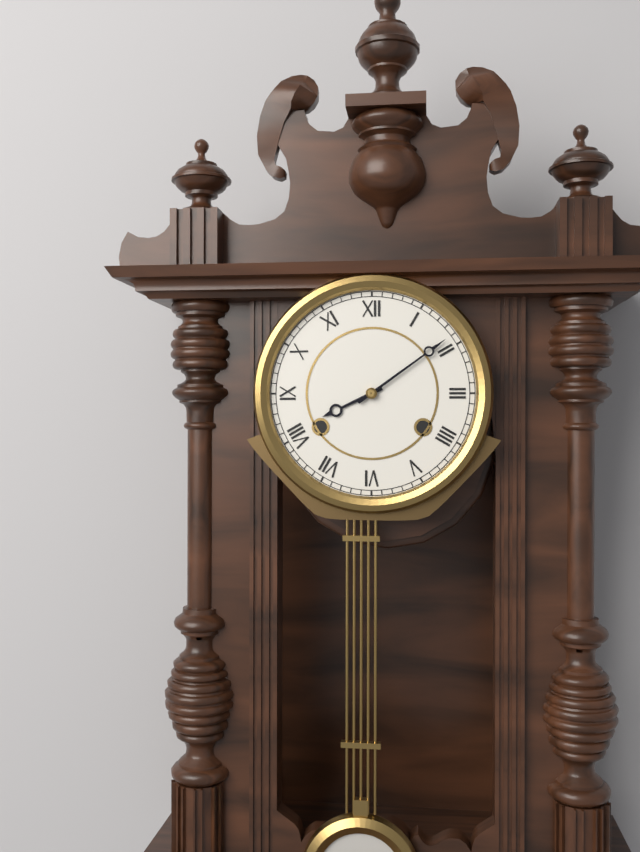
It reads 8 h 09 min
